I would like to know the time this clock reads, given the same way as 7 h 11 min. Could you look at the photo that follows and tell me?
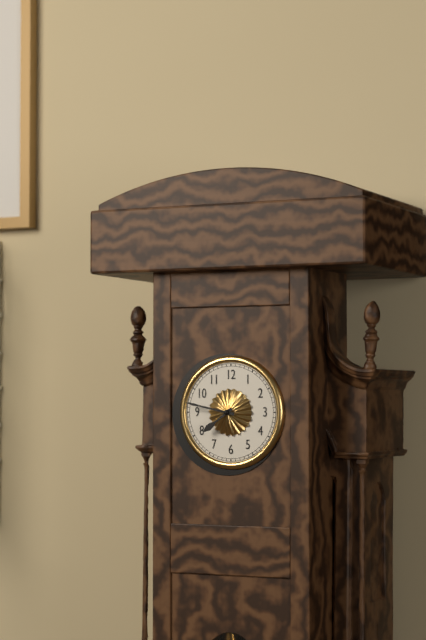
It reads 7 h 47 min
